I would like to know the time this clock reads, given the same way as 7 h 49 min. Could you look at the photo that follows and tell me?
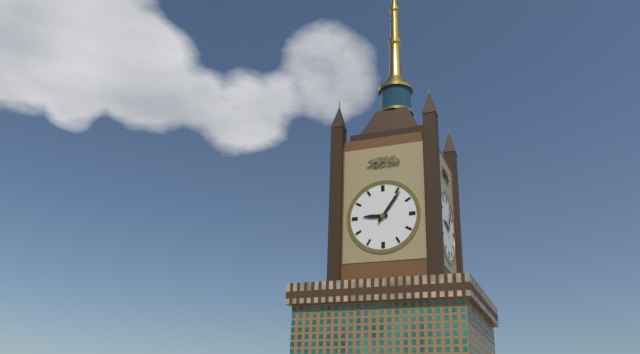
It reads 9 h 06 min
